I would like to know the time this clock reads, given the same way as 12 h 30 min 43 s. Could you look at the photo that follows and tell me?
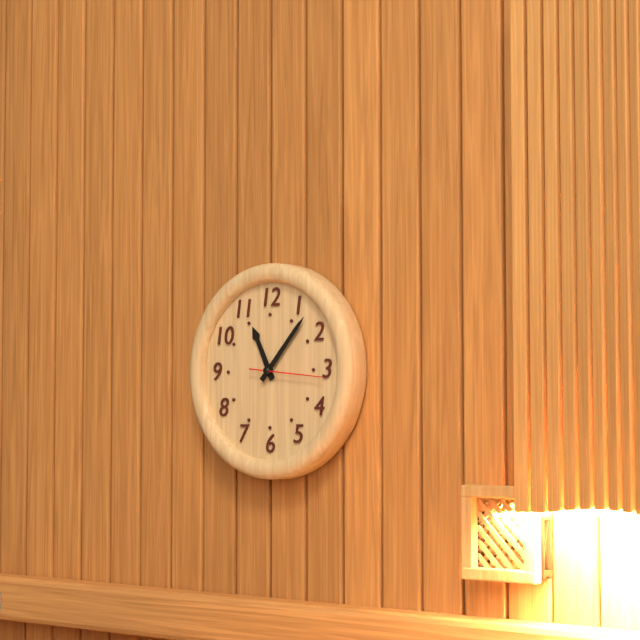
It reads 11 h 07 min 16 s
